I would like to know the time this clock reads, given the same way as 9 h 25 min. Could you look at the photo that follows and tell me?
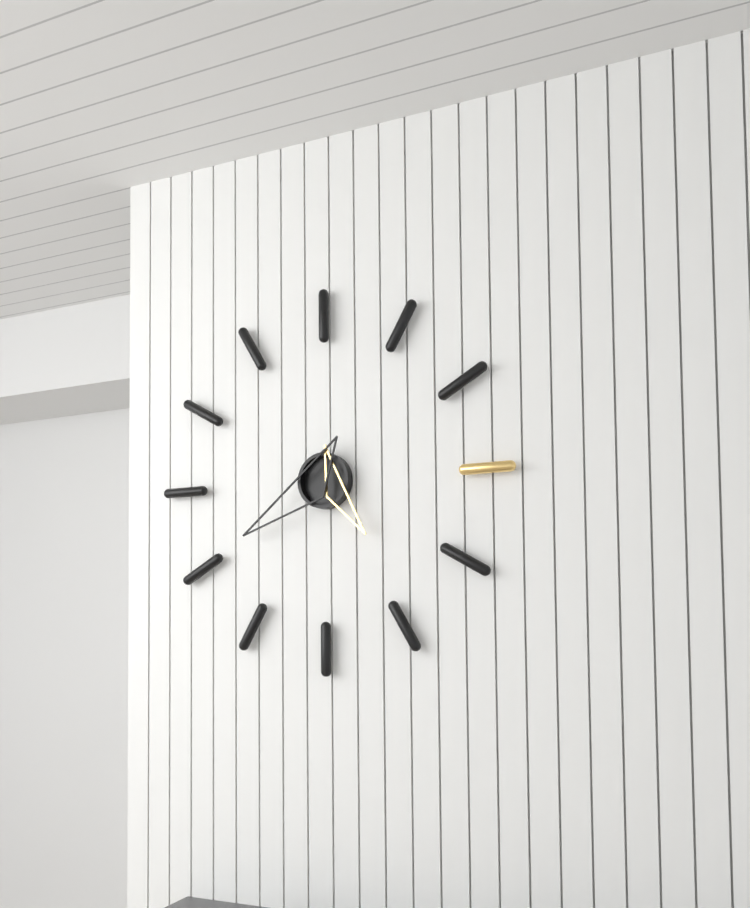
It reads 4 h 40 min
